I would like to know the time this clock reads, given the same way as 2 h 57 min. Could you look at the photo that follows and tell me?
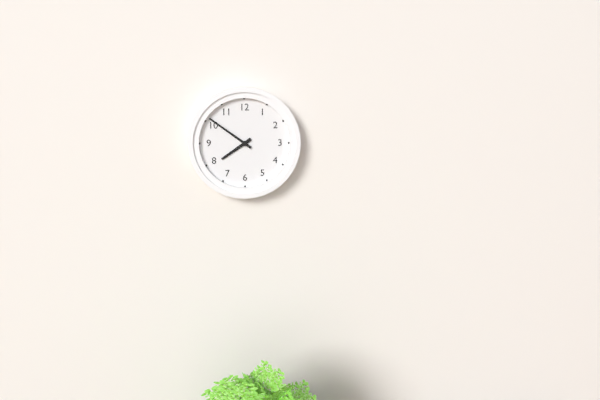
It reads 7 h 51 min
